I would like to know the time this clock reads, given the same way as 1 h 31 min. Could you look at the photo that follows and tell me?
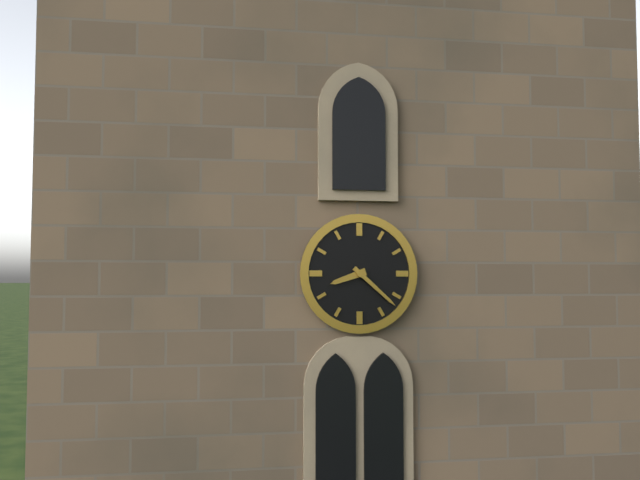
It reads 8 h 22 min
